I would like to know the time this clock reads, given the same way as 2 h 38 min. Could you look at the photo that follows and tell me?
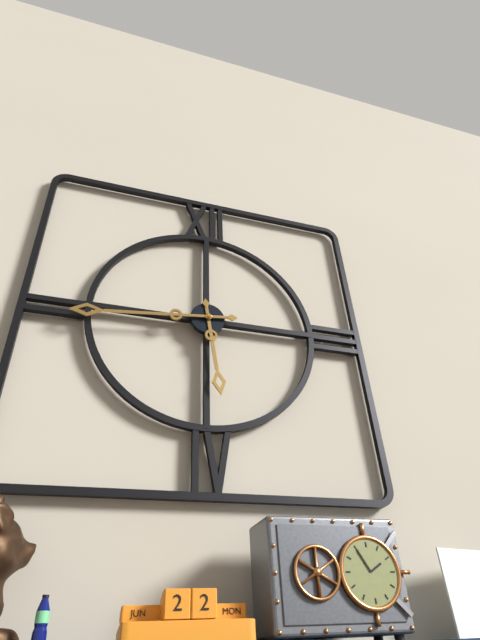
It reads 5 h 44 min
